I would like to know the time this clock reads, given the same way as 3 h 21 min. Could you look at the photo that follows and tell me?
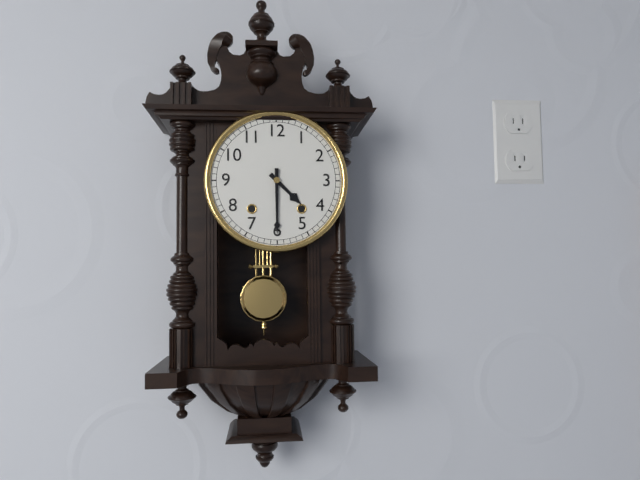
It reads 4 h 30 min
